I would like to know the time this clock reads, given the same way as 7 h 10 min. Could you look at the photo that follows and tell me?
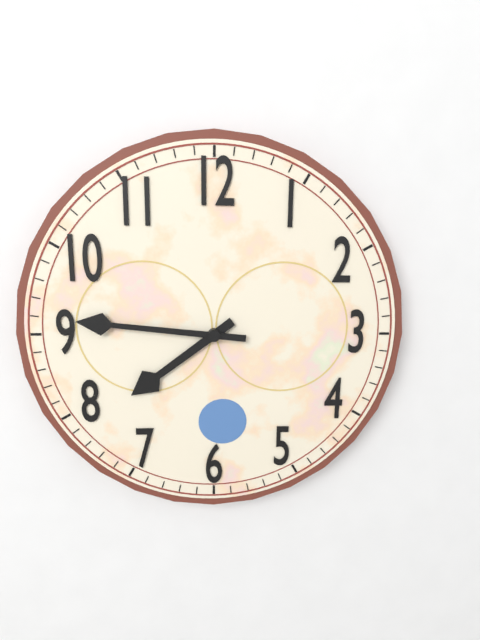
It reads 7 h 46 min
